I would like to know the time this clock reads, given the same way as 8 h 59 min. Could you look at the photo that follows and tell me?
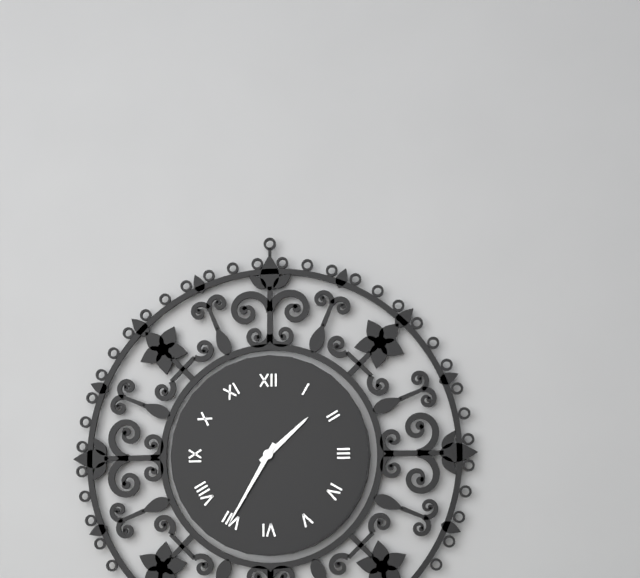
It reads 1 h 35 min
